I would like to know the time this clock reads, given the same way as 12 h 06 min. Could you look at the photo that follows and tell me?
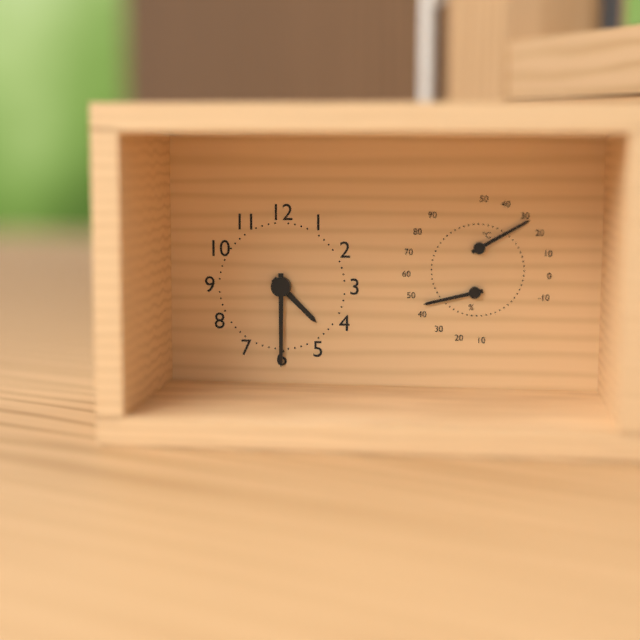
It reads 4 h 30 min
